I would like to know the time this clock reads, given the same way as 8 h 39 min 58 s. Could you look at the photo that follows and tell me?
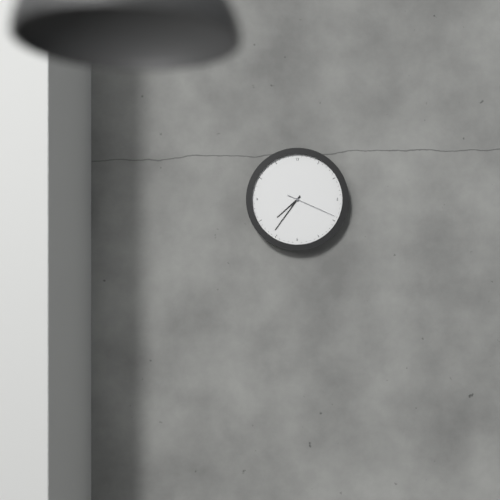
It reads 7 h 36 min 19 s
